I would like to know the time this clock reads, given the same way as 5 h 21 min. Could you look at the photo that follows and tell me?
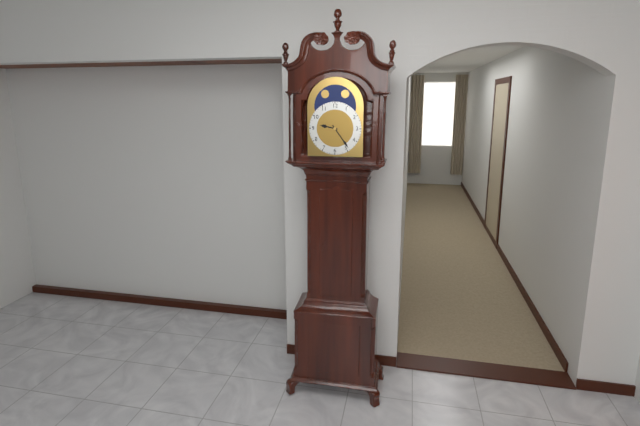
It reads 9 h 24 min
